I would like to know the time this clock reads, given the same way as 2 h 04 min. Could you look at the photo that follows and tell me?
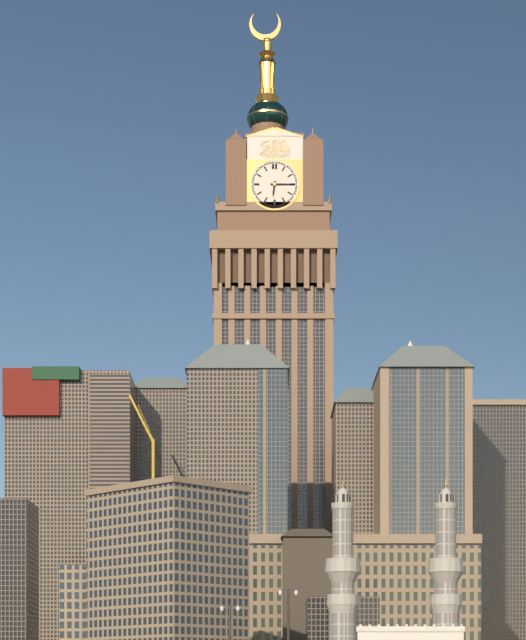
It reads 6 h 15 min
